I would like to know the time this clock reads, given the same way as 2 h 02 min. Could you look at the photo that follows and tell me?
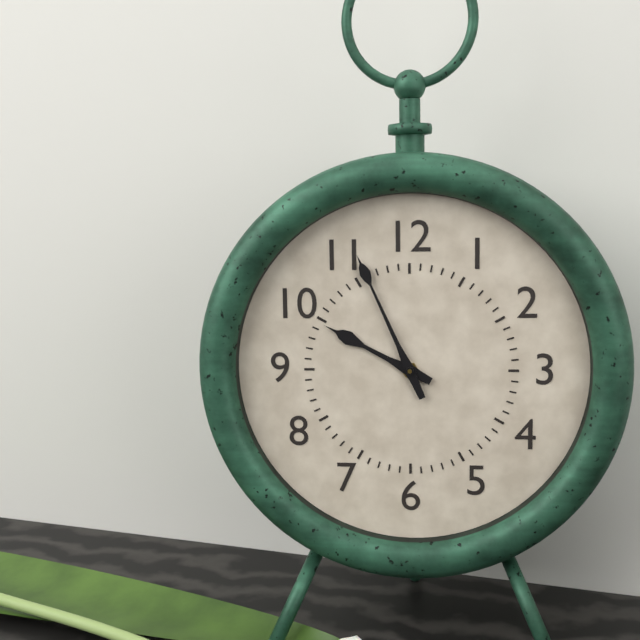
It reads 9 h 56 min
